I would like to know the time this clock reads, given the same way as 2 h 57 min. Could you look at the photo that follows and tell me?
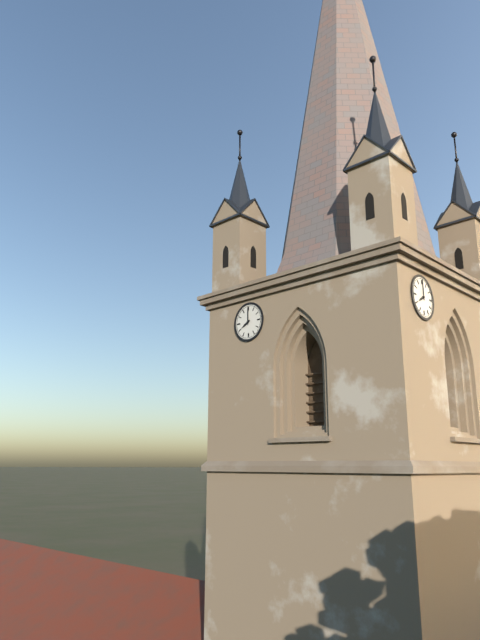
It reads 8 h 00 min
